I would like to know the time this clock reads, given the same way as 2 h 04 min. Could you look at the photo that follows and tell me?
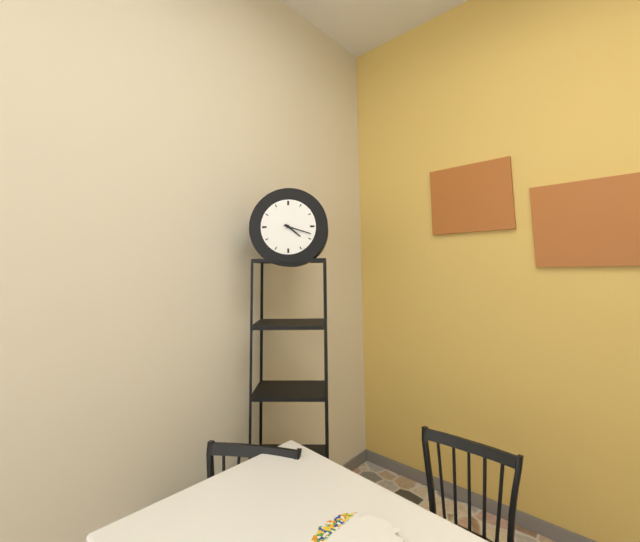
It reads 4 h 18 min
